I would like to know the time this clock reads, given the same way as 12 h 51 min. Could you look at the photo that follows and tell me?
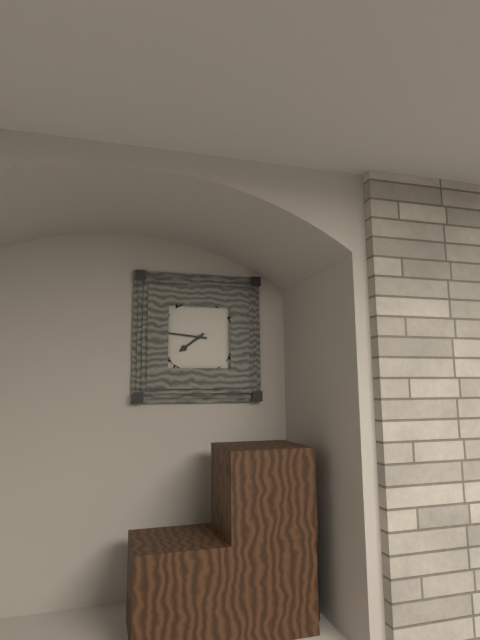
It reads 7 h 46 min
